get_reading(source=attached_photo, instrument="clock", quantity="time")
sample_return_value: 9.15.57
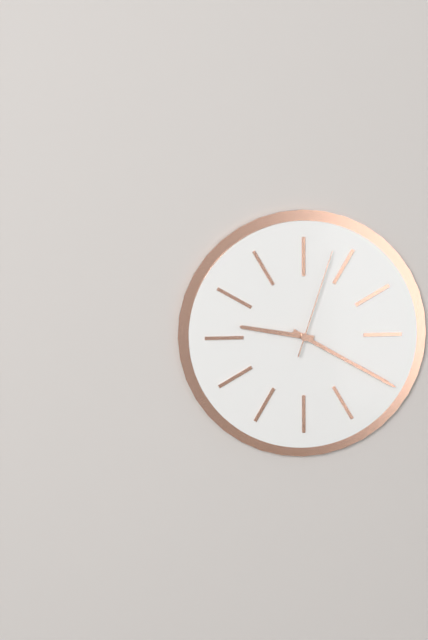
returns 9.20.03
